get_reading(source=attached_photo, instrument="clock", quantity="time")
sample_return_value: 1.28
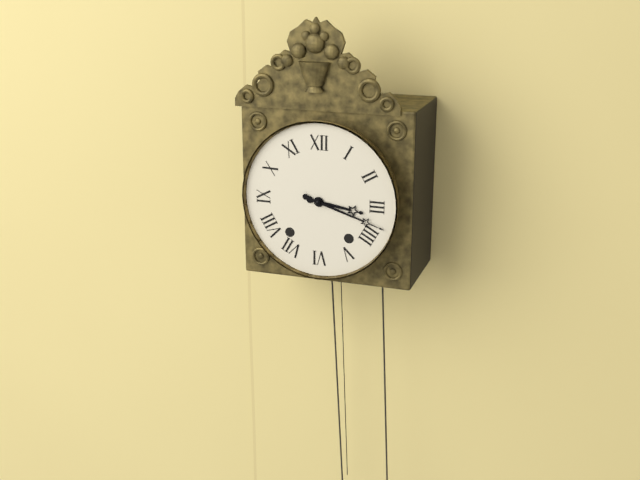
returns 3.18
